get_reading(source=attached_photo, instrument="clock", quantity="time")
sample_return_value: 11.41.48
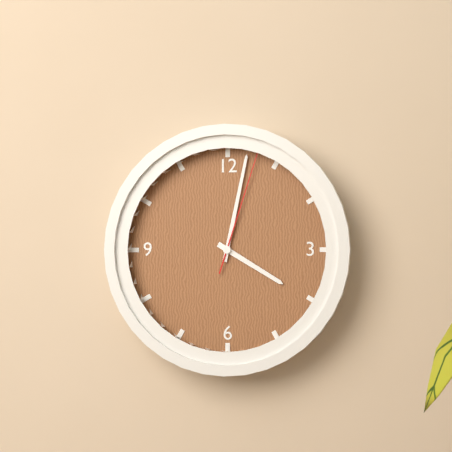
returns 4.02.03
